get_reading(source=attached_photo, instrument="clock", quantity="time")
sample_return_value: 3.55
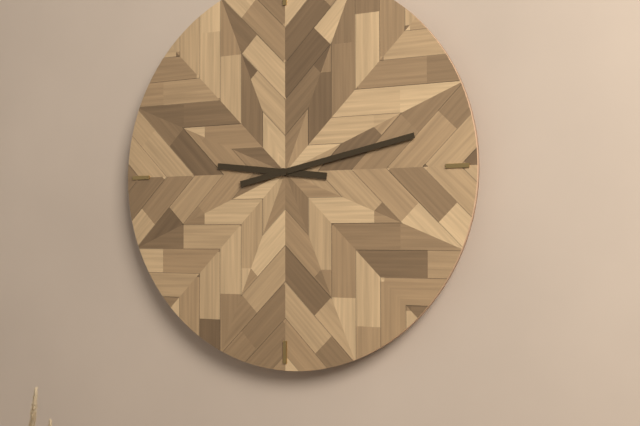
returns 9.13
